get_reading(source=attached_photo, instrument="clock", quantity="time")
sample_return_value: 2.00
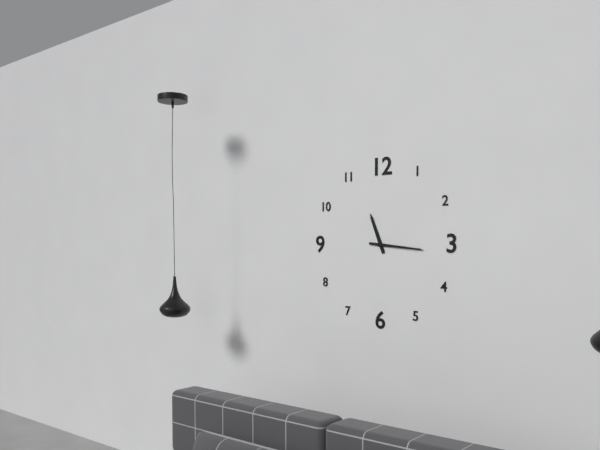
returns 11.16
